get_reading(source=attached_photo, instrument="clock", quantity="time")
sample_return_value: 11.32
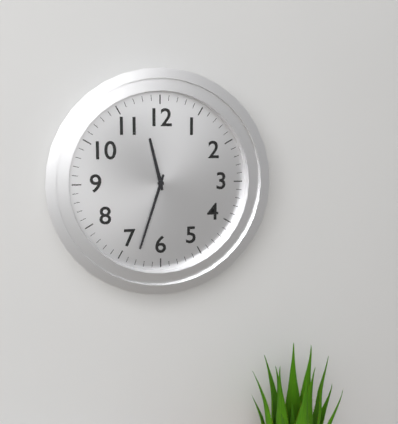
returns 11.33
